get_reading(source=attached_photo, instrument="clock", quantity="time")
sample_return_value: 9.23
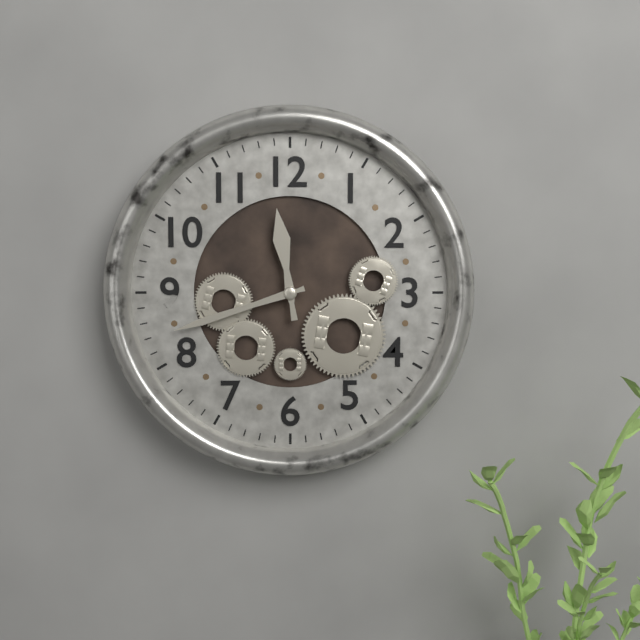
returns 11.42
